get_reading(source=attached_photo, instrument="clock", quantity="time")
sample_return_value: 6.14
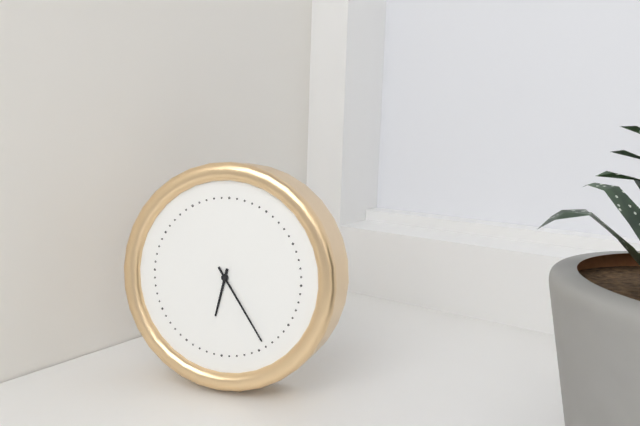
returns 6.24
